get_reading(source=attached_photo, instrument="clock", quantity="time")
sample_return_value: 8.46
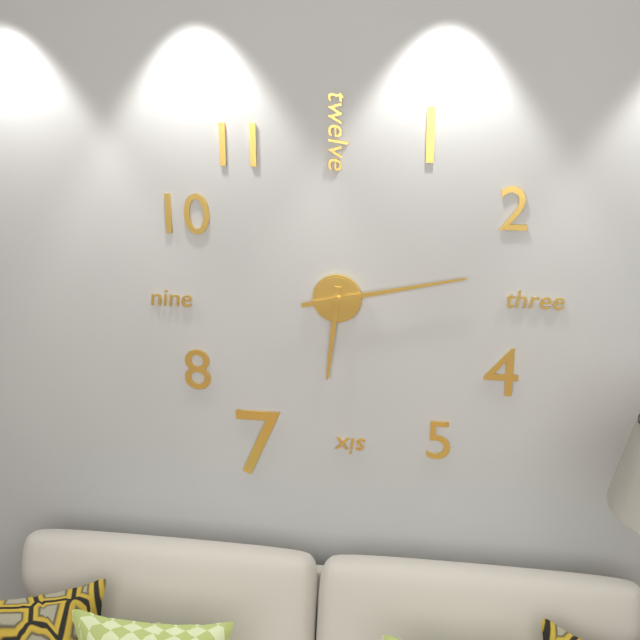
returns 6.13
